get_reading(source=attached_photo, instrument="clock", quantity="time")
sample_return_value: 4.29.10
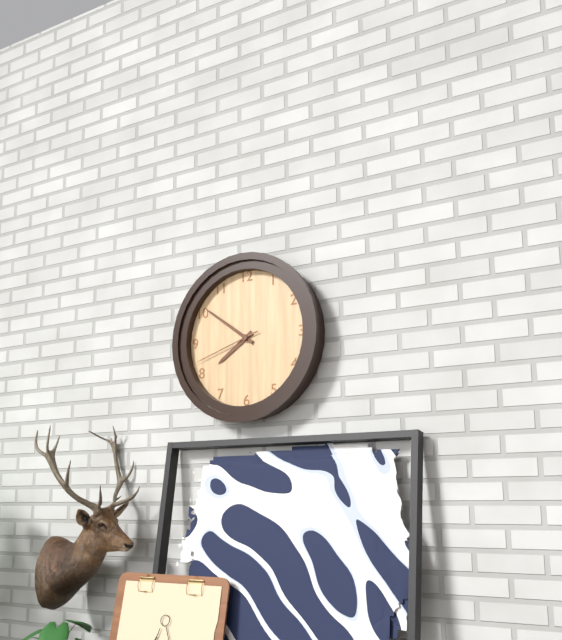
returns 7.51.42
